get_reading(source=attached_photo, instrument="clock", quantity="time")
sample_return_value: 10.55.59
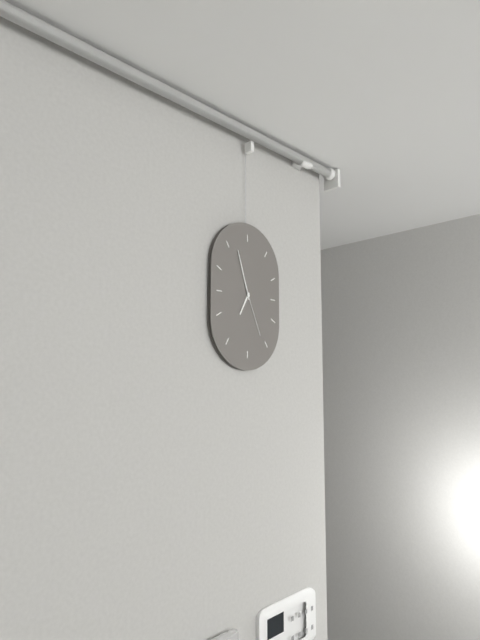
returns 6.57.26
